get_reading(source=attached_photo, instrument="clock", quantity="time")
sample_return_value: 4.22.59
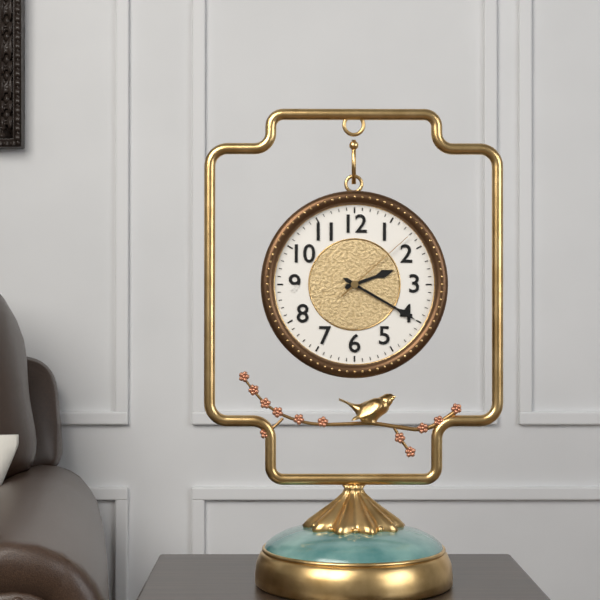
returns 2.20.08
